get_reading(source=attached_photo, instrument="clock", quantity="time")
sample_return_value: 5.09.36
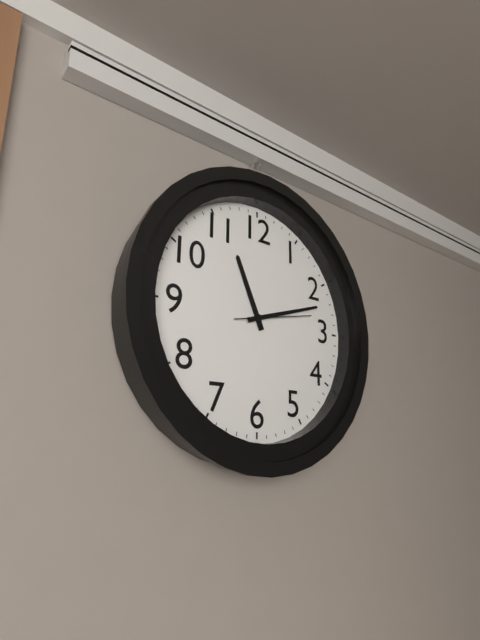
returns 11.12.13
